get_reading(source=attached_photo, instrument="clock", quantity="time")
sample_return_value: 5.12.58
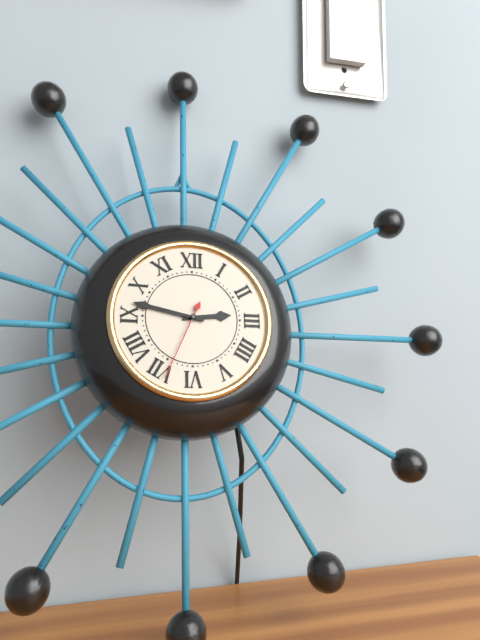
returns 2.47.34
